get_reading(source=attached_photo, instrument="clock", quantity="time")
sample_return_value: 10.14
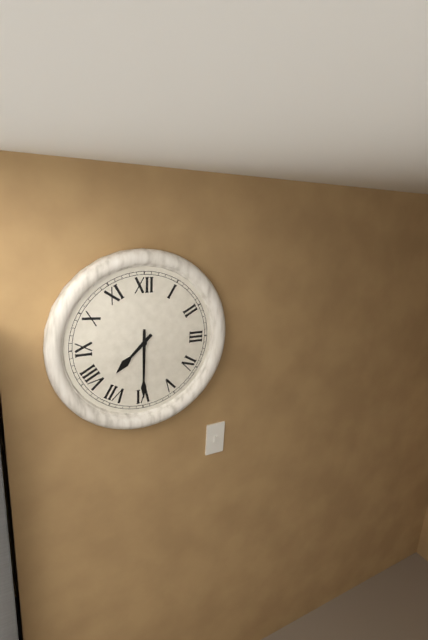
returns 7.30
